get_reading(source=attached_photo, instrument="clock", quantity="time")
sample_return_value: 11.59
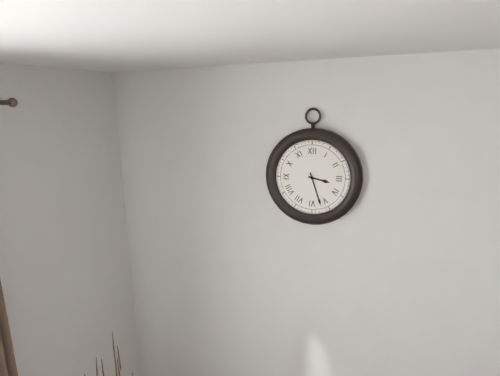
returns 3.27
